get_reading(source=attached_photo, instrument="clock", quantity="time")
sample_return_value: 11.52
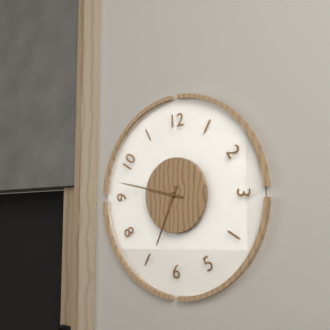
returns 6.47
